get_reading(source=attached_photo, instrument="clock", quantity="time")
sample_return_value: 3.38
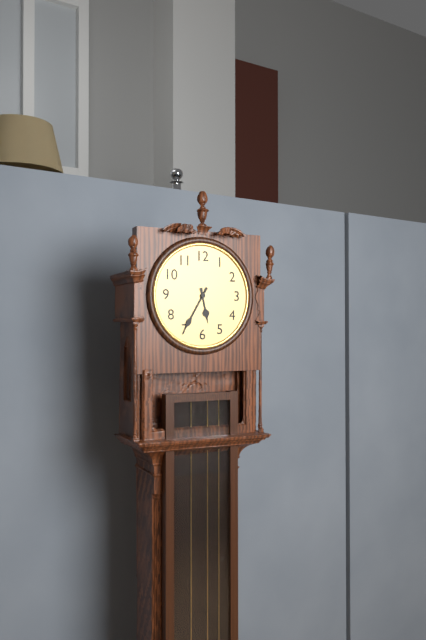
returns 5.35
